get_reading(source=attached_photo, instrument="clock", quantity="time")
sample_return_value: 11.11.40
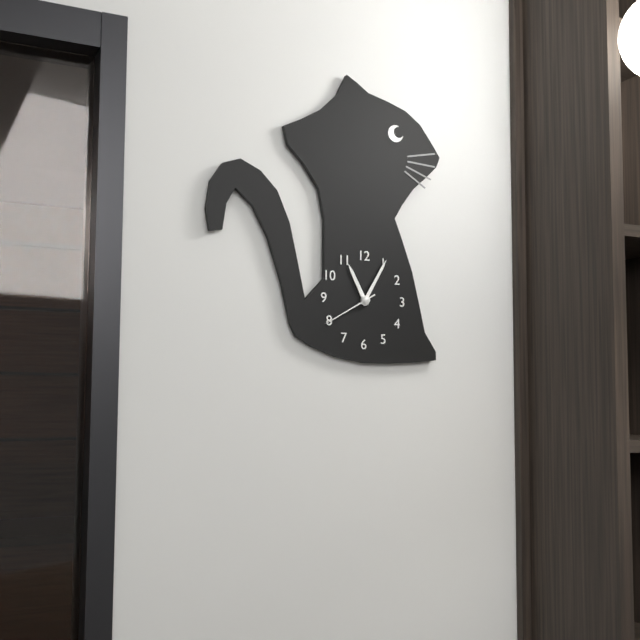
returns 11.05.40
